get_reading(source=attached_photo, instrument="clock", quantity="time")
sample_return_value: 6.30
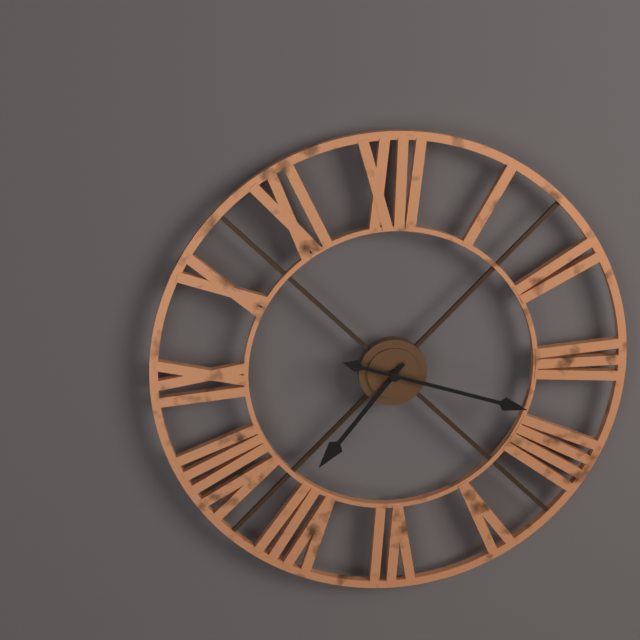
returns 7.18
